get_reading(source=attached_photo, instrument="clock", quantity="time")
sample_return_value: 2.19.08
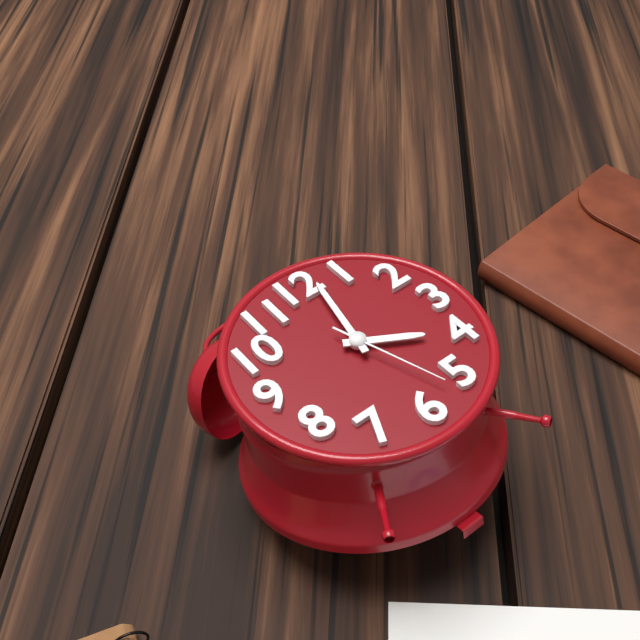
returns 4.02.27
